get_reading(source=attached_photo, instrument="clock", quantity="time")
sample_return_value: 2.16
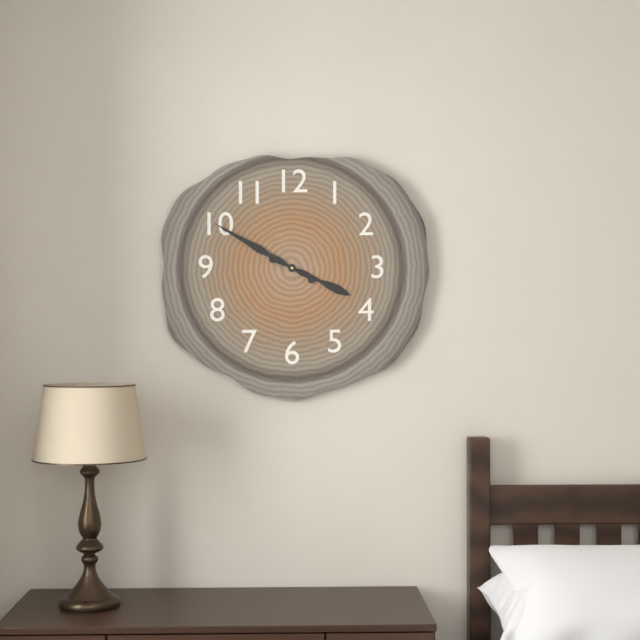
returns 3.50
